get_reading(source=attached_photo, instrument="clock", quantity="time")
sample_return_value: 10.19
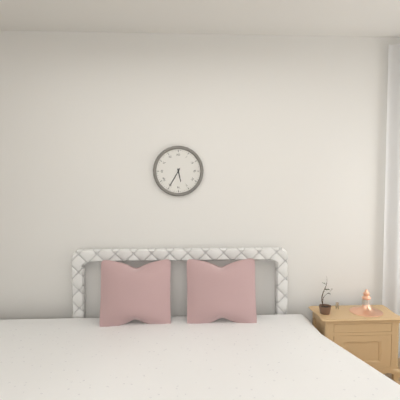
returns 5.35
